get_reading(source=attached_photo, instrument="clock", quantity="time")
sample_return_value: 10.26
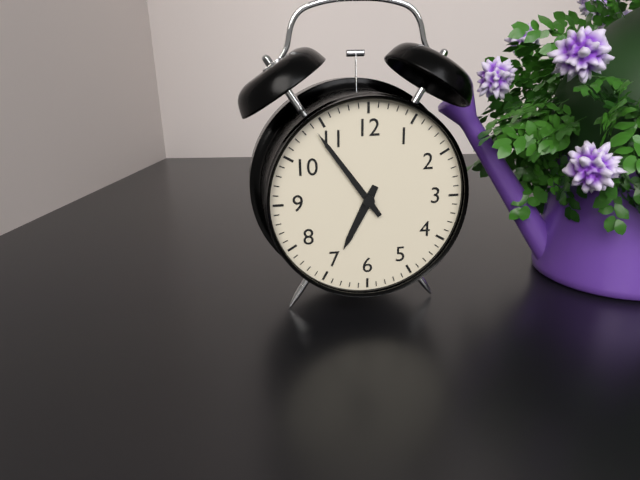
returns 6.54
